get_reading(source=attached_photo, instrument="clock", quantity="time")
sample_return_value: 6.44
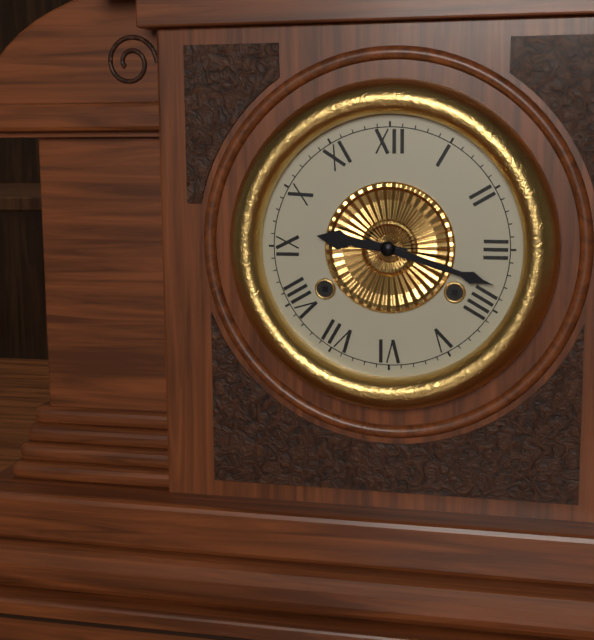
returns 9.18
